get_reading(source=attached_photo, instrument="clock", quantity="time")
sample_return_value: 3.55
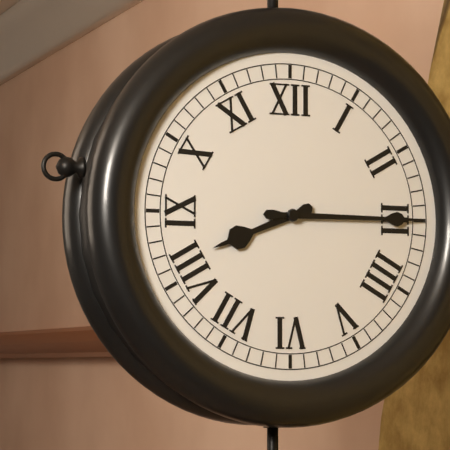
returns 8.15
